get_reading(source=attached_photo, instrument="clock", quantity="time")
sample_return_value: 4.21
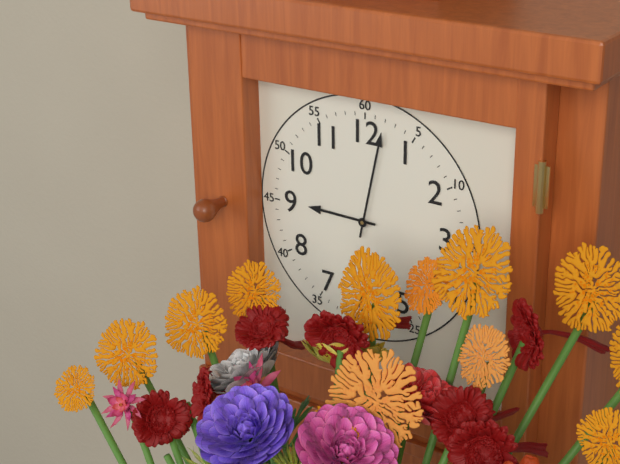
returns 9.02
